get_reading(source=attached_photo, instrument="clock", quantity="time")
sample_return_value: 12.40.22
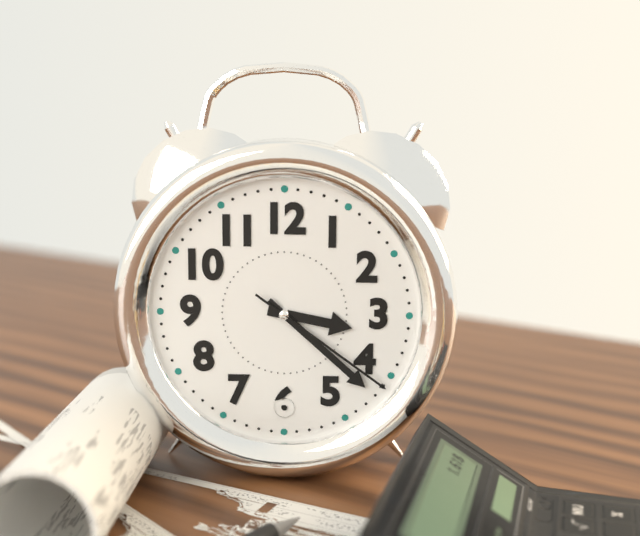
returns 3.22.21
